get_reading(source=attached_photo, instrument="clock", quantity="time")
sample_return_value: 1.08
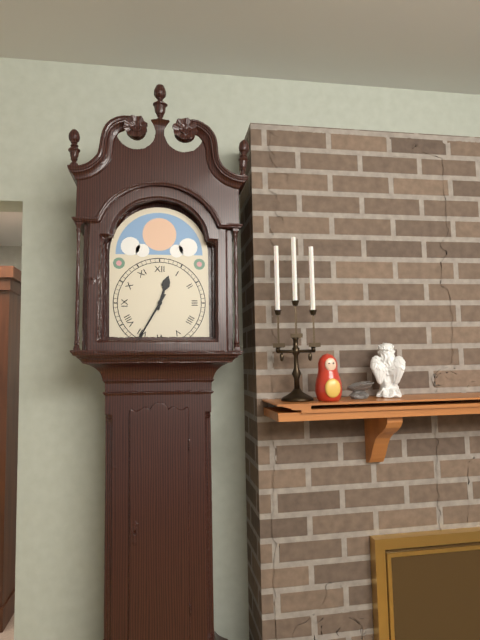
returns 12.35
